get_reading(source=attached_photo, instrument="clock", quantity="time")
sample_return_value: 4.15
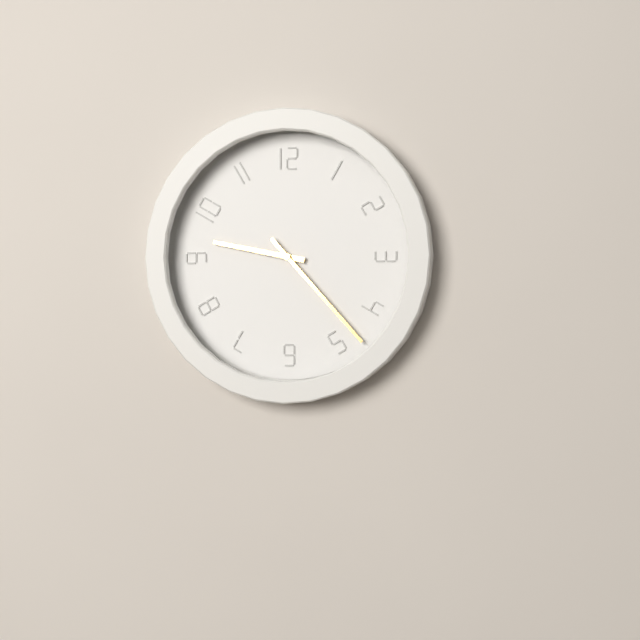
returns 9.23
